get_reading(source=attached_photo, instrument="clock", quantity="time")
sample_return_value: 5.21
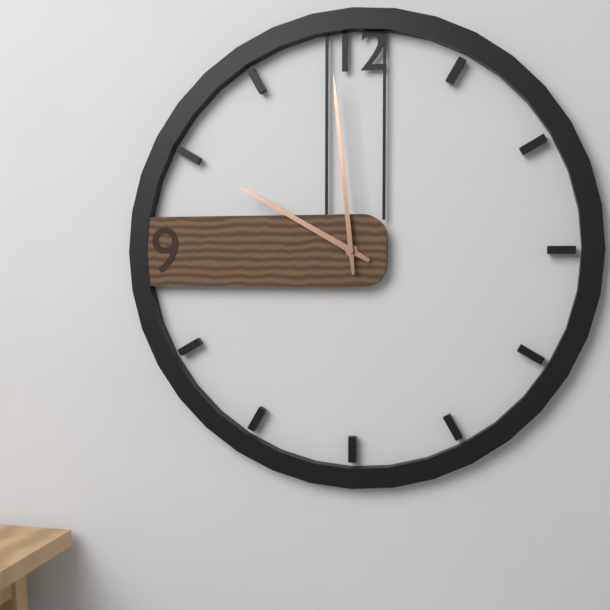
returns 9.59
